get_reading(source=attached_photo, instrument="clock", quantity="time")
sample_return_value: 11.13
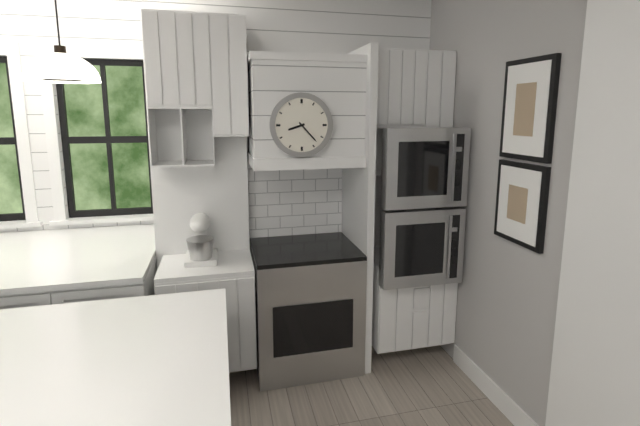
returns 8.23
